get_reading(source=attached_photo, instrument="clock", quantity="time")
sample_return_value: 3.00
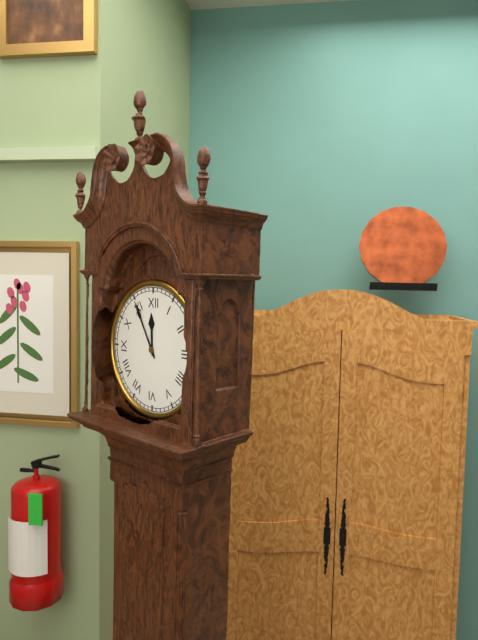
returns 11.55
